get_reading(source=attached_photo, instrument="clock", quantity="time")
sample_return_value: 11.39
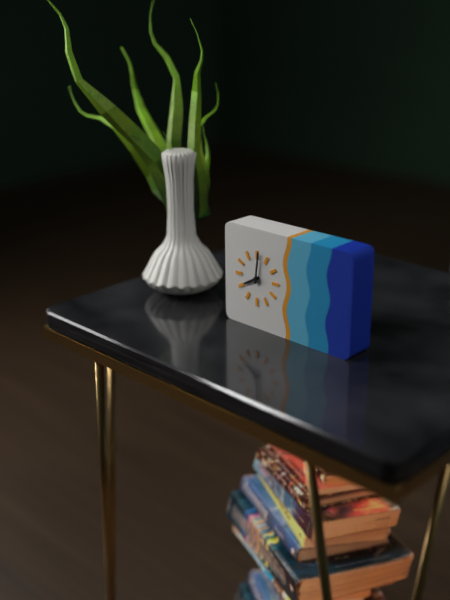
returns 8.01
